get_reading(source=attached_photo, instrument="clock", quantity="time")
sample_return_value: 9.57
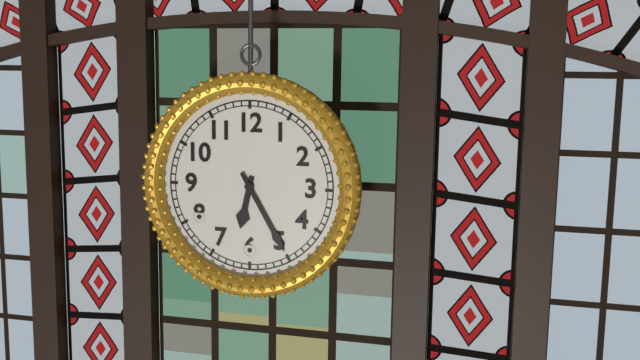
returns 6.25
